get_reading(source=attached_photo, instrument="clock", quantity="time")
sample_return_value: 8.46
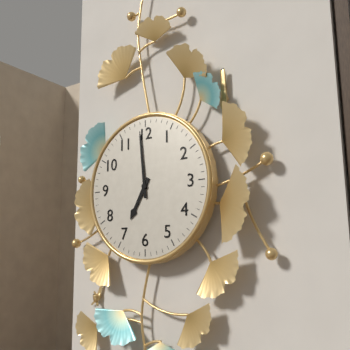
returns 6.59
